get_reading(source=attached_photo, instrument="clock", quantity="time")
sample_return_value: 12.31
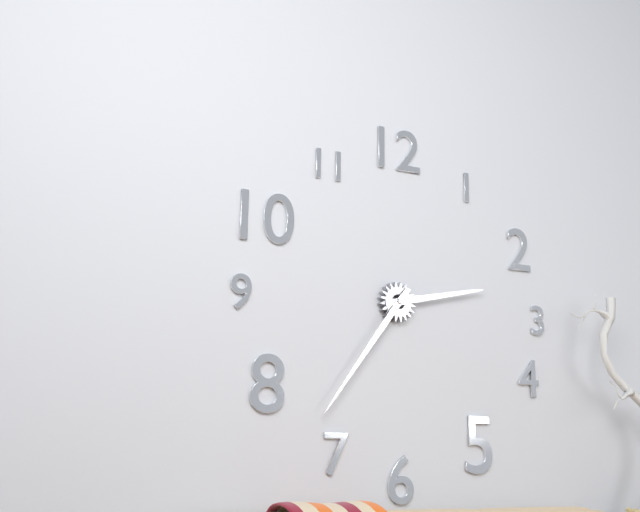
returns 2.36
